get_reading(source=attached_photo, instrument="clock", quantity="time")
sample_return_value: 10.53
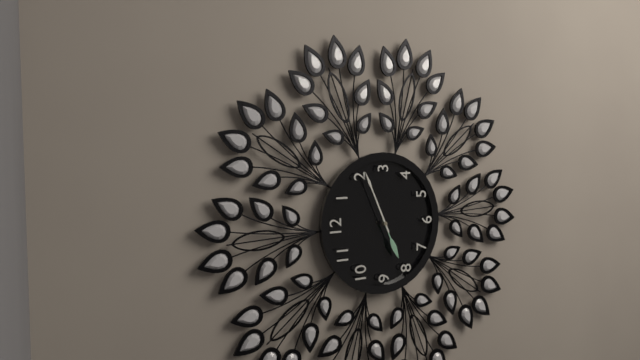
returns 8.11
